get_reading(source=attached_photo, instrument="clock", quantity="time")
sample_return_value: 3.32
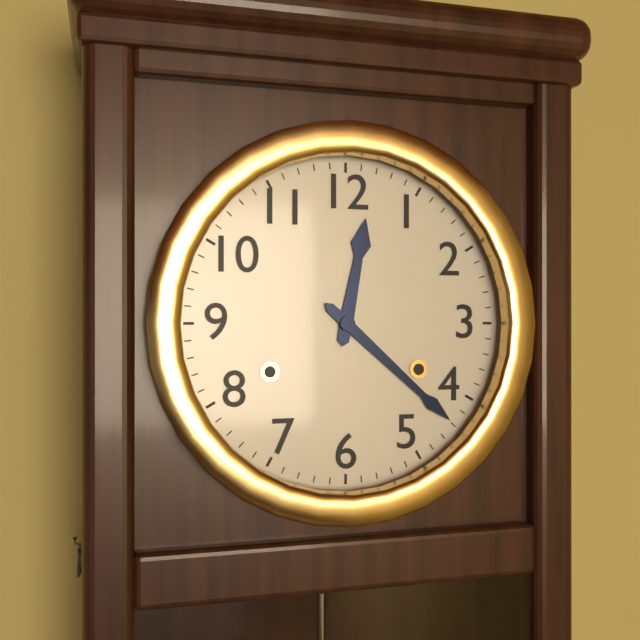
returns 12.22
